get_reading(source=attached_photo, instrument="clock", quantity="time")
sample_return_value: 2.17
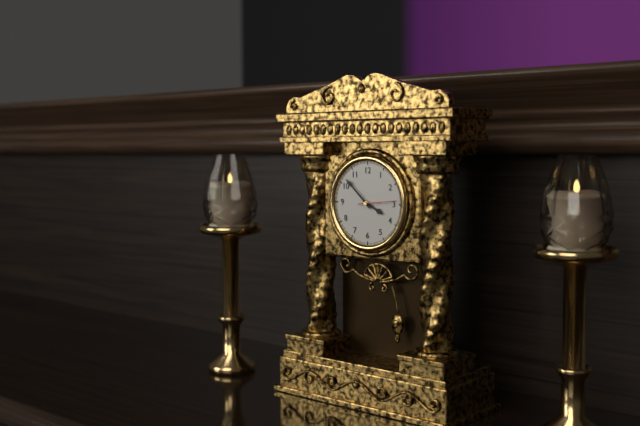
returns 3.52
